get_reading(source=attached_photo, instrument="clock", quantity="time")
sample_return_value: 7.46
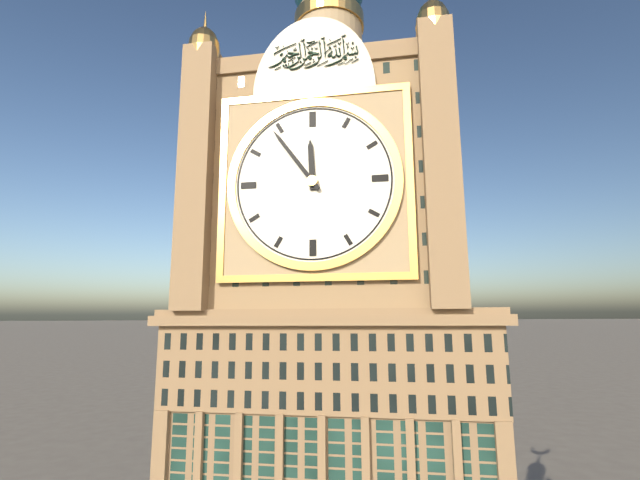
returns 11.54
